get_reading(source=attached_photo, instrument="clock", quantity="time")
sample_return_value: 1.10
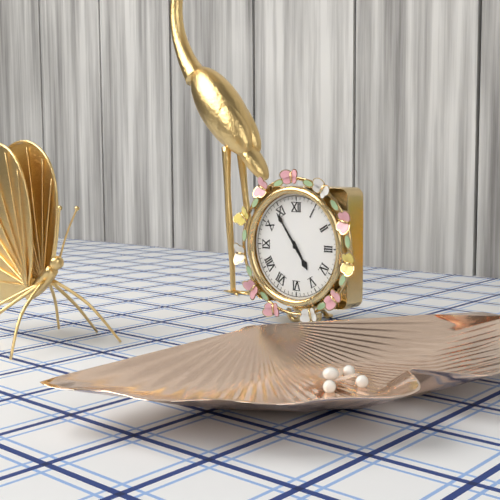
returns 4.54
